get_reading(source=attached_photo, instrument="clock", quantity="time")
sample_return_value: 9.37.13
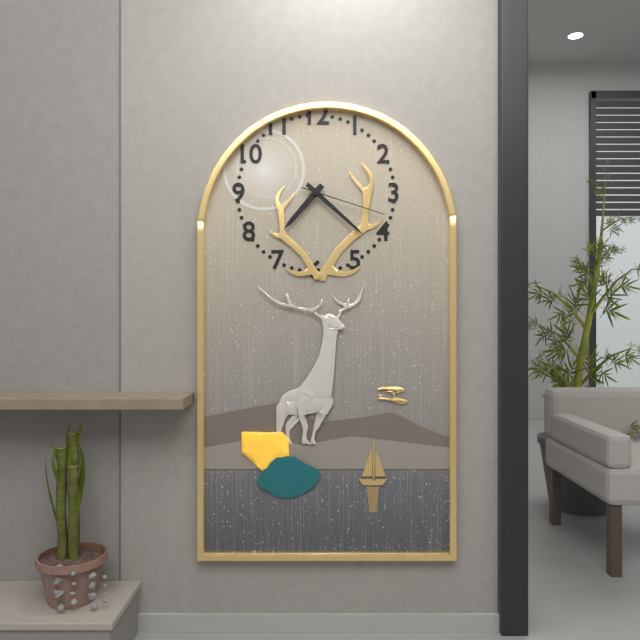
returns 7.22.18
